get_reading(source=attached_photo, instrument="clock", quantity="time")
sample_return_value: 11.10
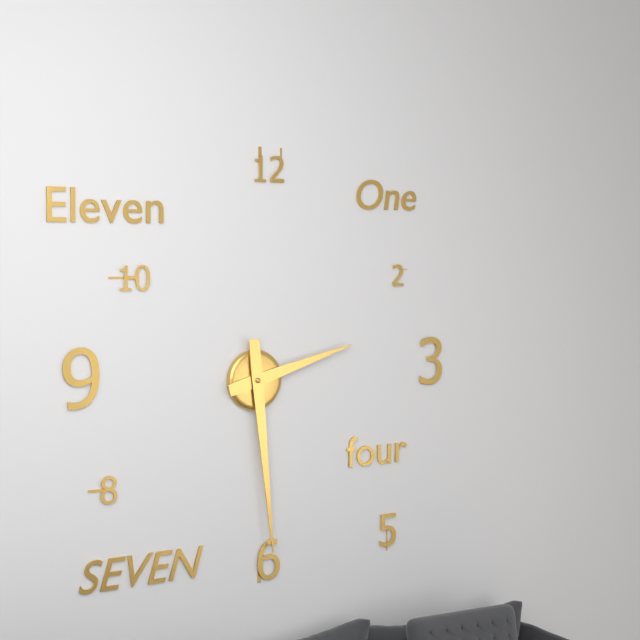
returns 2.29
